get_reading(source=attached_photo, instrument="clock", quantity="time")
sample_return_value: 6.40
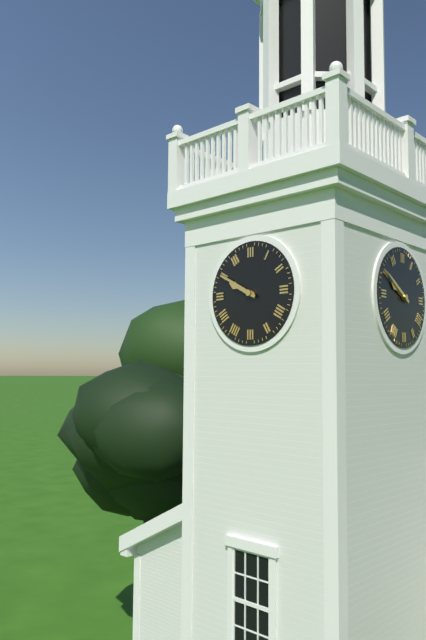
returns 9.50
